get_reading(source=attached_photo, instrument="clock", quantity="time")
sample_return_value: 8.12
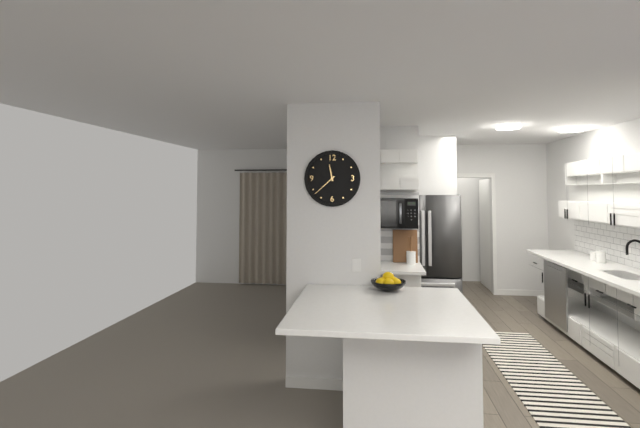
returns 11.38
